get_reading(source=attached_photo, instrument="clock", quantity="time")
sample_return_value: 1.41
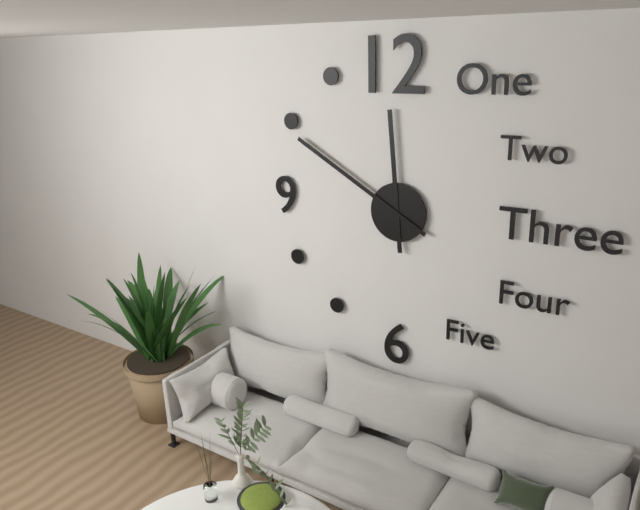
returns 11.50
